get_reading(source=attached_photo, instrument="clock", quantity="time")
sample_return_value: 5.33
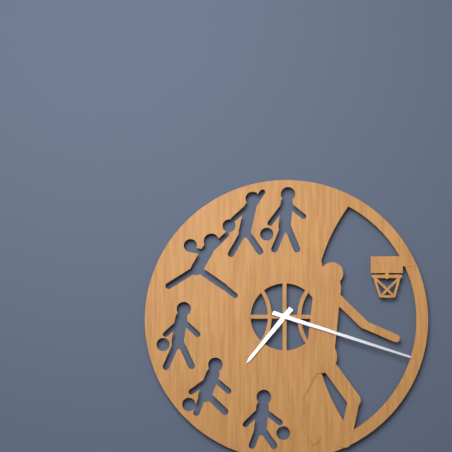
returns 7.18
